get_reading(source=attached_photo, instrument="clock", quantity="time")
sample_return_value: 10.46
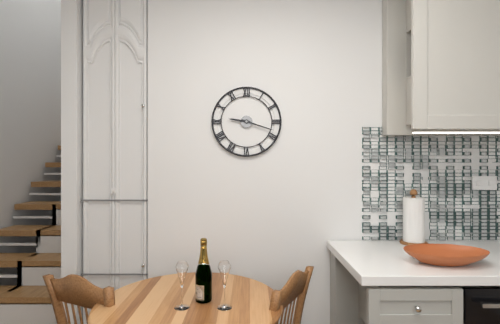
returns 9.18
